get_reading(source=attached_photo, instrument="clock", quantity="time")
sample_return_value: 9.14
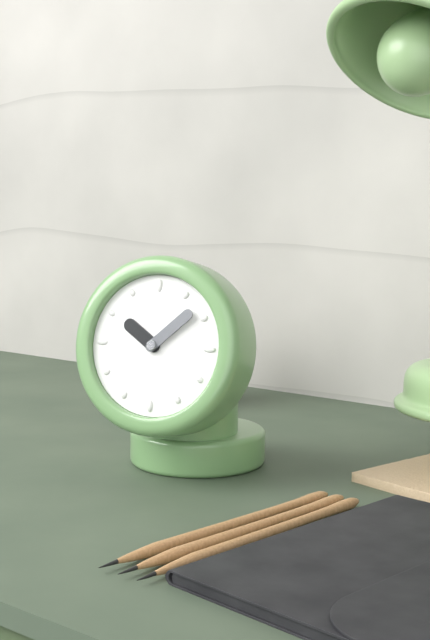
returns 10.08
